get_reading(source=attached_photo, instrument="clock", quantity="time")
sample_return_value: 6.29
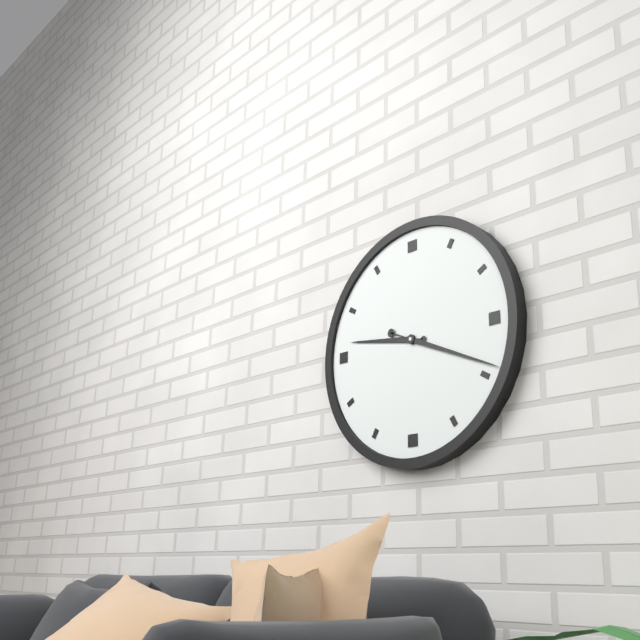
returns 9.19
